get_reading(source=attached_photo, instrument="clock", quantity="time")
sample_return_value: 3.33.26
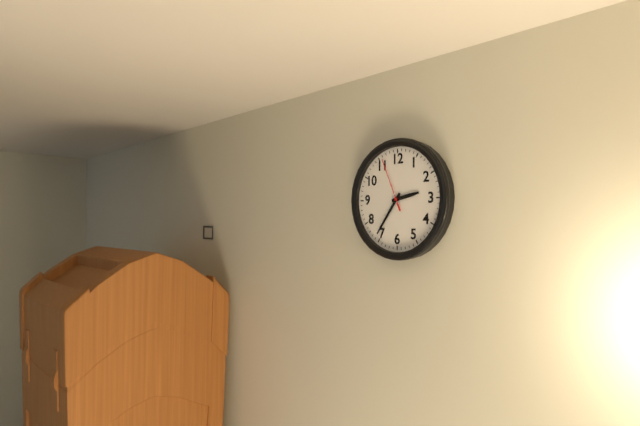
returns 2.36.56
